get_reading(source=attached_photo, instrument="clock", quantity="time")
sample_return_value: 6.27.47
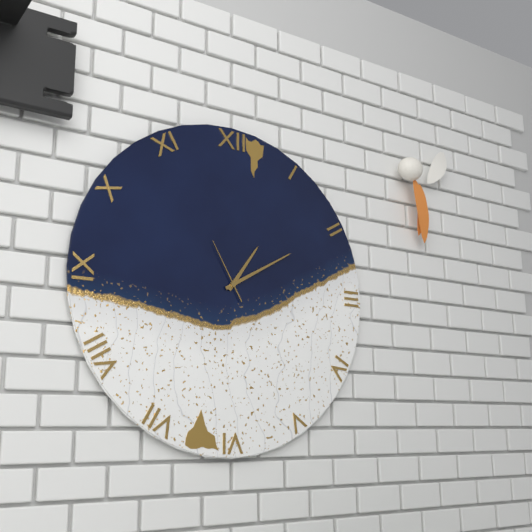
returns 1.10.55
